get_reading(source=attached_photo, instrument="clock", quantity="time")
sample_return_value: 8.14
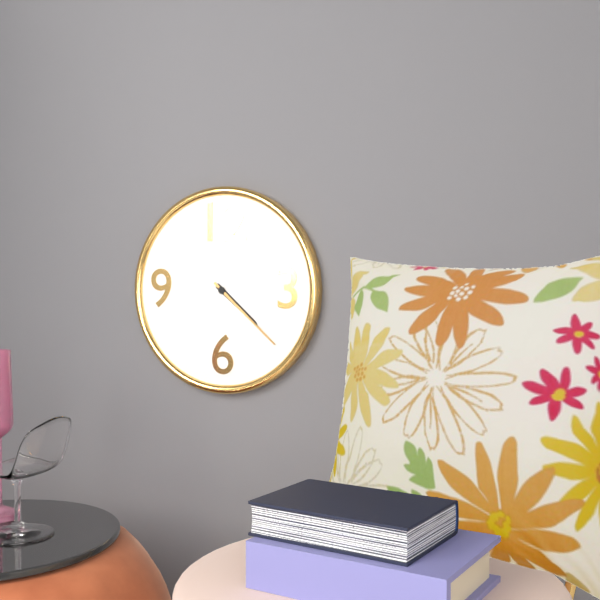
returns 4.22
